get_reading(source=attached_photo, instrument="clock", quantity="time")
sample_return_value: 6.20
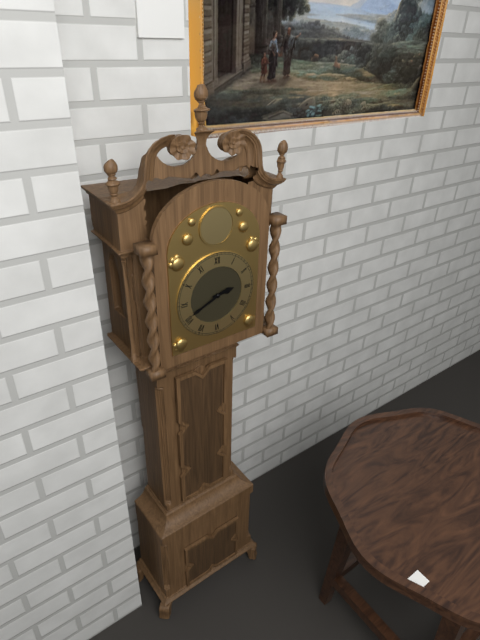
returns 2.41
